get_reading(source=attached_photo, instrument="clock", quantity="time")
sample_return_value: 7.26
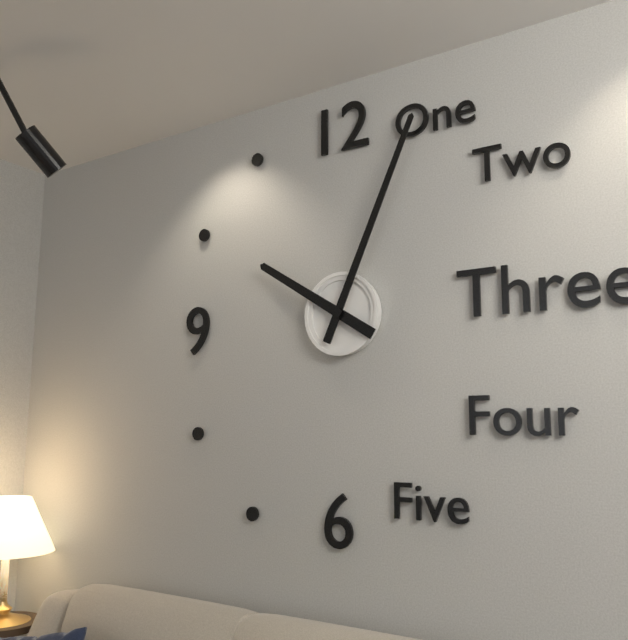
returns 10.04
